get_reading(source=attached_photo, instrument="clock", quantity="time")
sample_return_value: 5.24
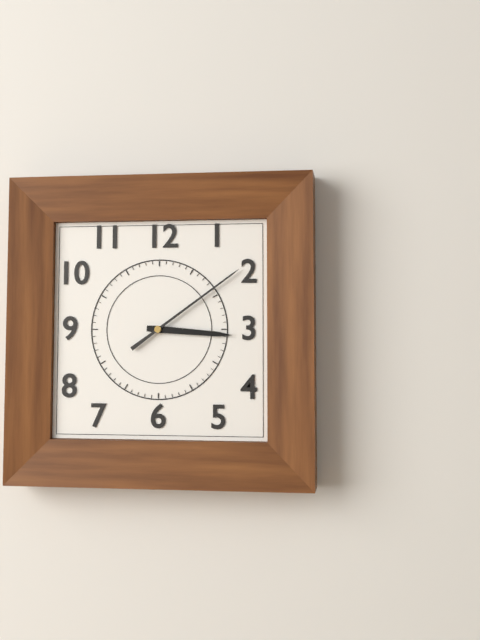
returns 3.09
